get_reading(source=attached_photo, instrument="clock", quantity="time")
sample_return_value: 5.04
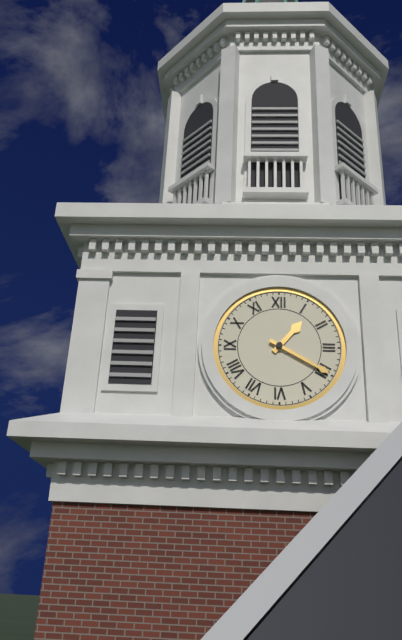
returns 1.20
